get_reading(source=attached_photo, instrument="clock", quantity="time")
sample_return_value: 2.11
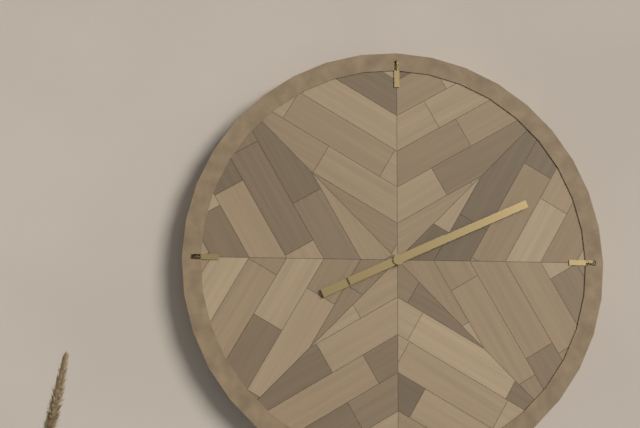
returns 8.11
